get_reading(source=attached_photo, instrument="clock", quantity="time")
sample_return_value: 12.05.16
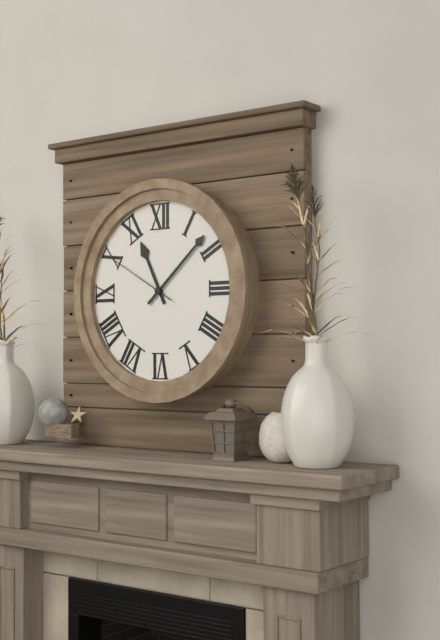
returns 11.08.50
